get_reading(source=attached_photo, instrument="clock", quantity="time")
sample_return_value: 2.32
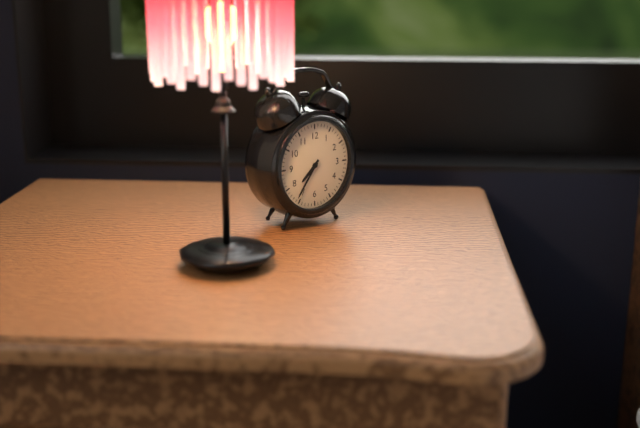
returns 7.36
